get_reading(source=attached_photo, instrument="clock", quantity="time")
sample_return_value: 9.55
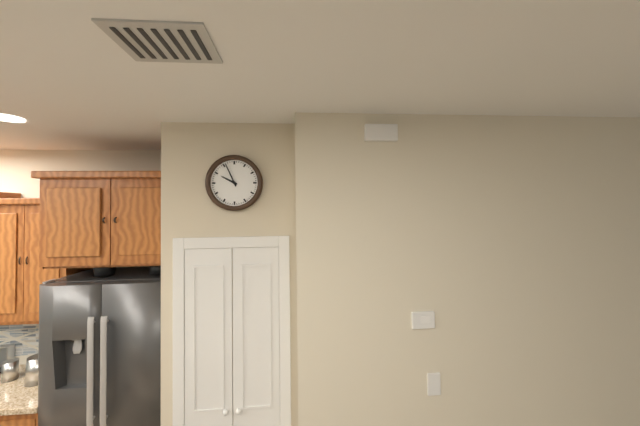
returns 9.56
